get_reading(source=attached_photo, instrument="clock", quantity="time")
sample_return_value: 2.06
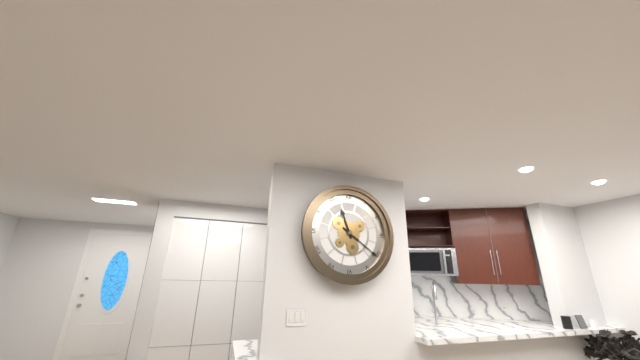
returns 11.21
